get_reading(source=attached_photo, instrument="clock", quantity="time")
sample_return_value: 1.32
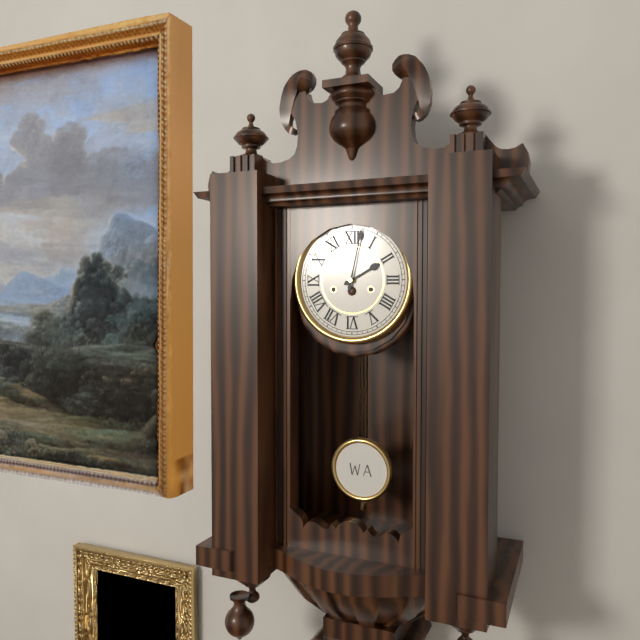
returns 2.02
